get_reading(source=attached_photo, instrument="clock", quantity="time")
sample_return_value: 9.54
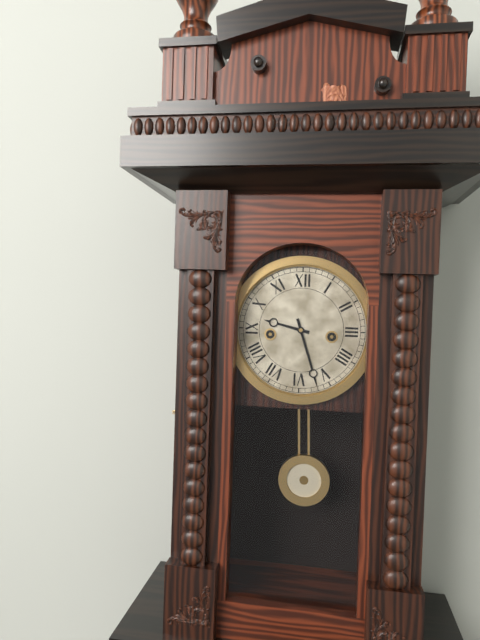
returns 9.27
